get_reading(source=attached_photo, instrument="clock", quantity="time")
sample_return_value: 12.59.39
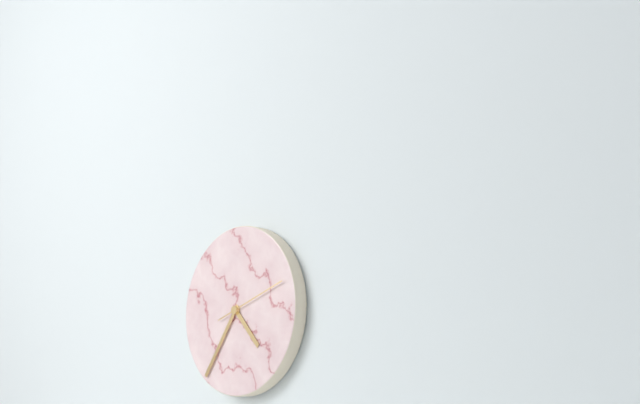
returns 4.36.12
